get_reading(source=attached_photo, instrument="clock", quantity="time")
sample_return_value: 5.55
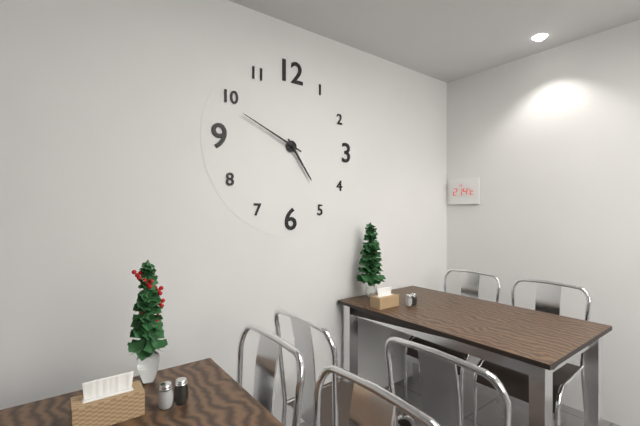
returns 4.49
